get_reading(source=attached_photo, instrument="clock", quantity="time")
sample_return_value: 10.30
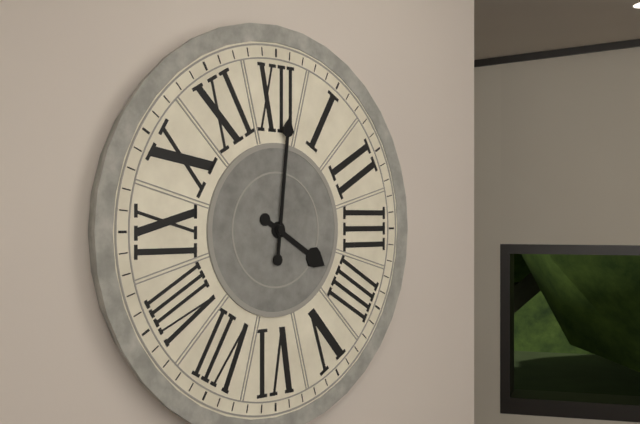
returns 4.01
